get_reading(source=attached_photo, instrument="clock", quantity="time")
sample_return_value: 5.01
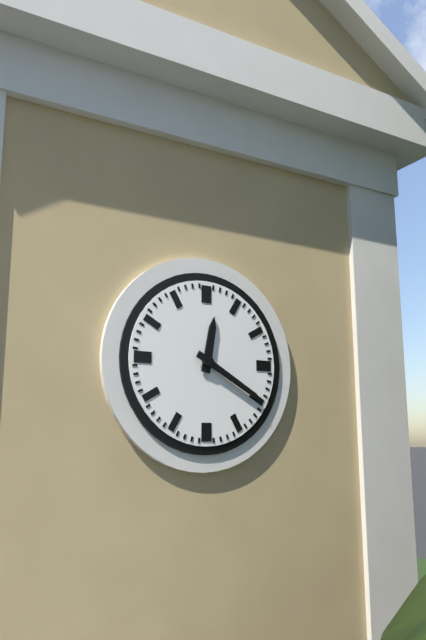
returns 12.20
